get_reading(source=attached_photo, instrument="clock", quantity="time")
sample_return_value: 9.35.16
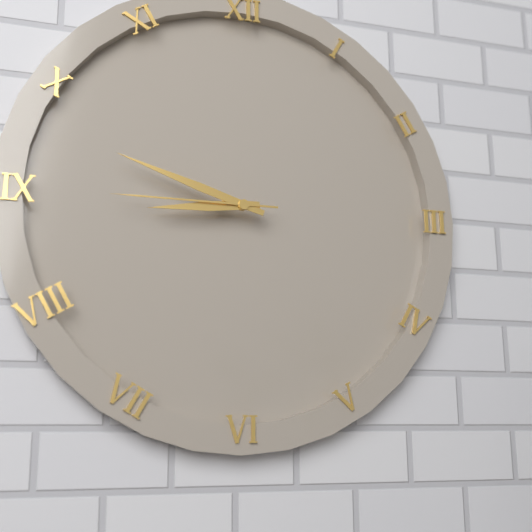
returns 8.48.45
